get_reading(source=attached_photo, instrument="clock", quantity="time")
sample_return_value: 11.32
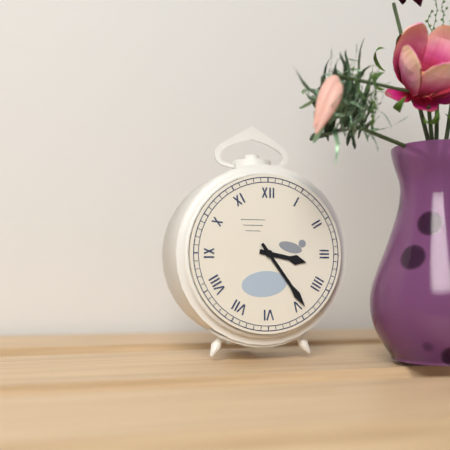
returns 3.24
